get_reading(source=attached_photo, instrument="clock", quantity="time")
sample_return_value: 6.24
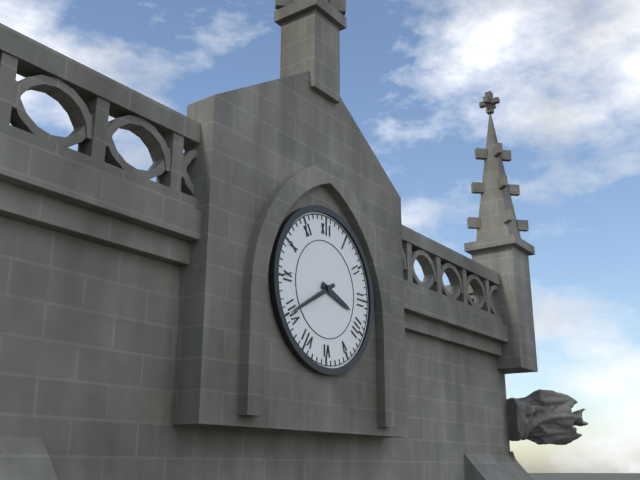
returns 3.40
